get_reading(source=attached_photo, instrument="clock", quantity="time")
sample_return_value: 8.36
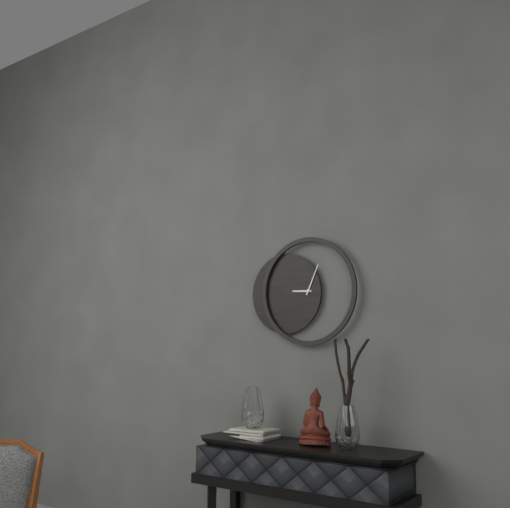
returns 9.04
